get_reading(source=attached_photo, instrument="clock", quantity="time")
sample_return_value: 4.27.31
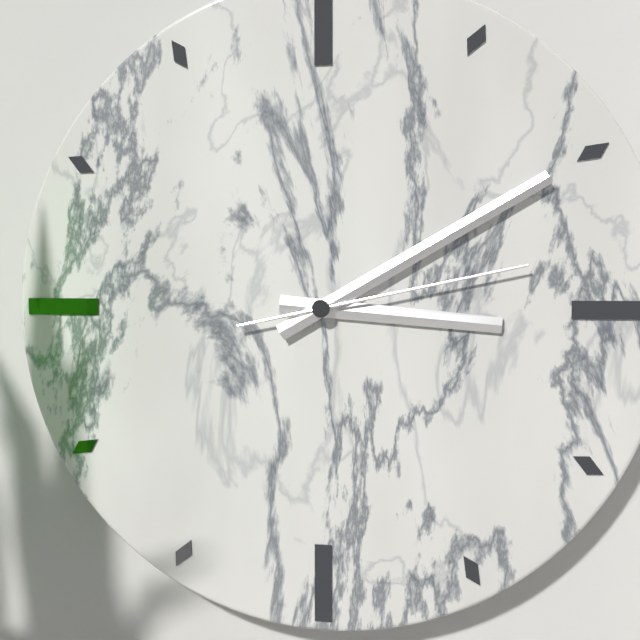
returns 3.10.13
